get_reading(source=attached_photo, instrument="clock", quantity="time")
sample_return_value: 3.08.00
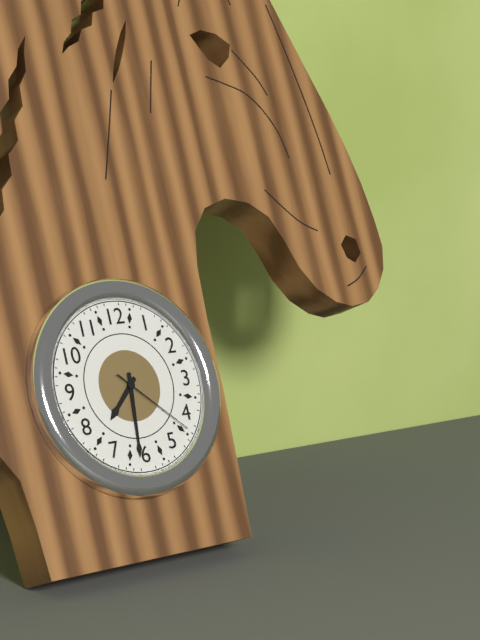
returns 7.31.22
